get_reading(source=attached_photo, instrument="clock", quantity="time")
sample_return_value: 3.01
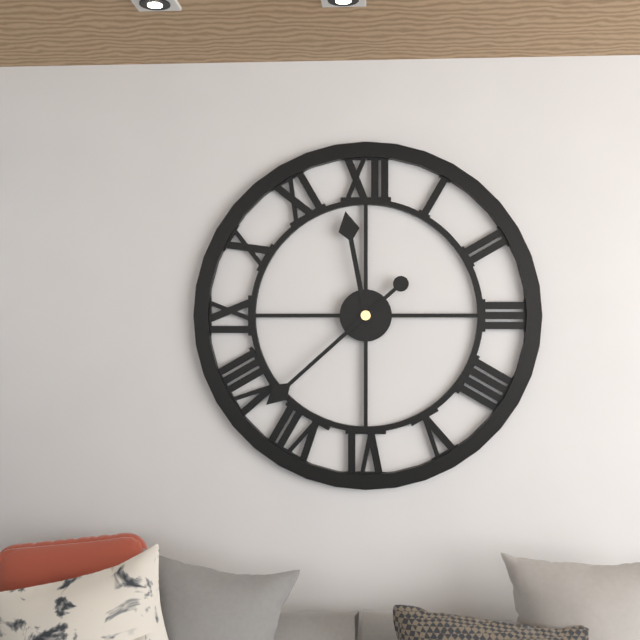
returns 11.38
